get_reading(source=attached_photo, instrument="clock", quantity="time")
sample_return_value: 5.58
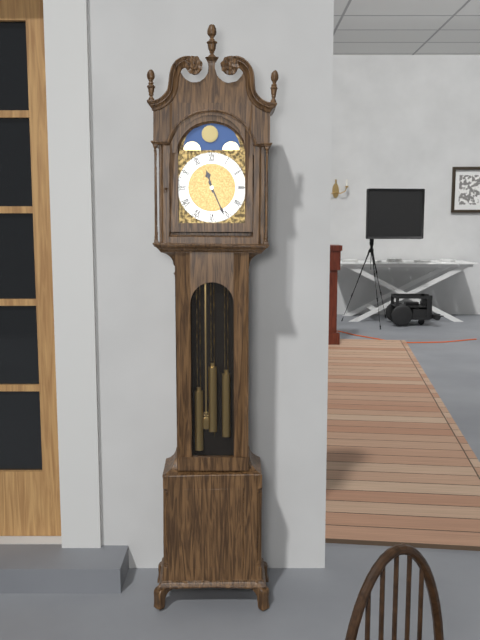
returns 11.26
